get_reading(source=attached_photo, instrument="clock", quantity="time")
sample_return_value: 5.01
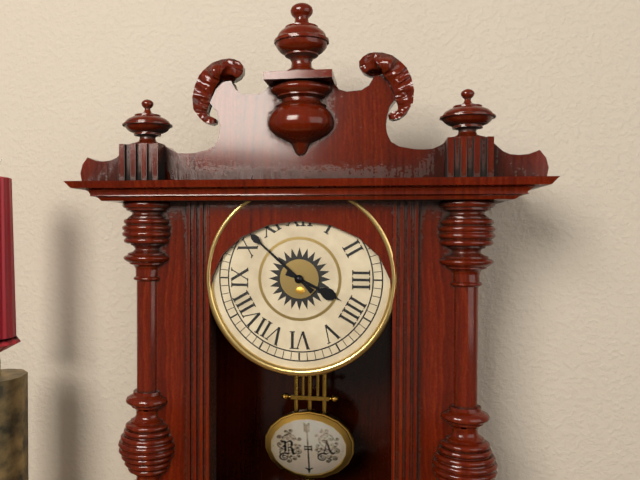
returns 3.52
